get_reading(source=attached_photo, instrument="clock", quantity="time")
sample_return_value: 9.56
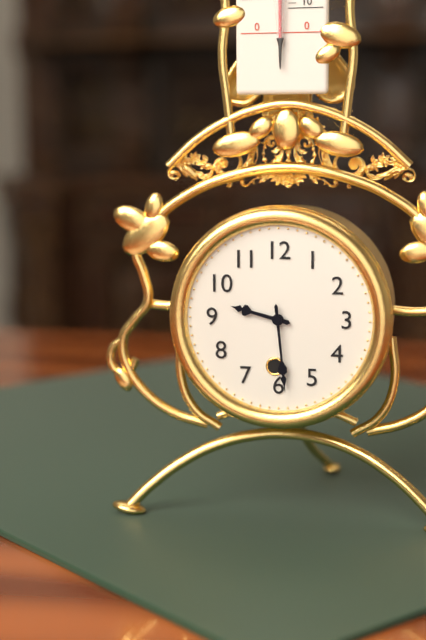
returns 9.29
